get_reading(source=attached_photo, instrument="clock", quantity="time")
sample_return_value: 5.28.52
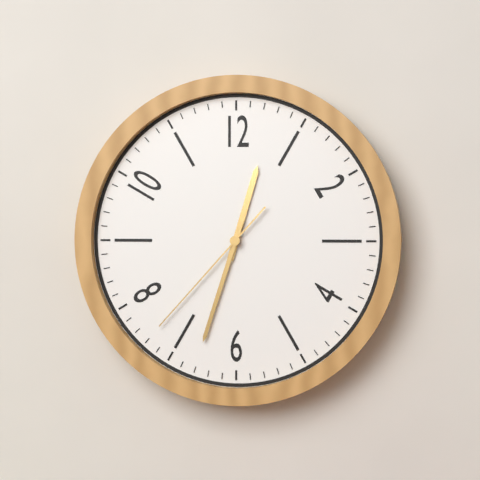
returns 12.33.37
